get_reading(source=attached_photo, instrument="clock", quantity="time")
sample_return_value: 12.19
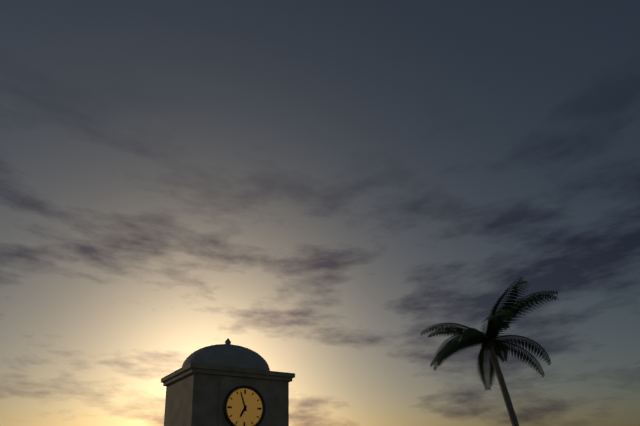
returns 6.57
